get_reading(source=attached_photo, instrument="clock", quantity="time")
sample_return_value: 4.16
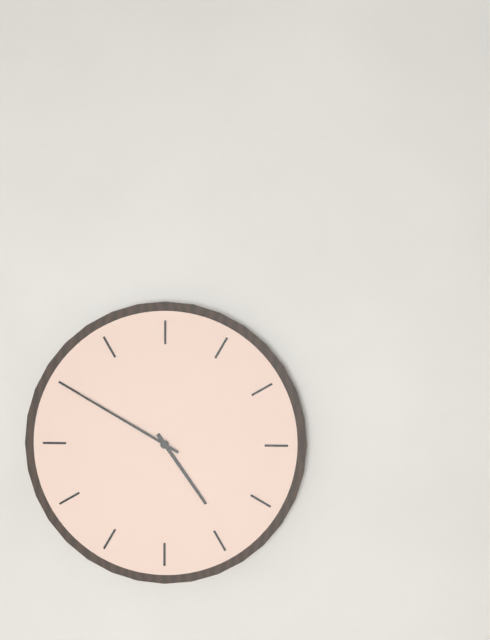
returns 4.50
